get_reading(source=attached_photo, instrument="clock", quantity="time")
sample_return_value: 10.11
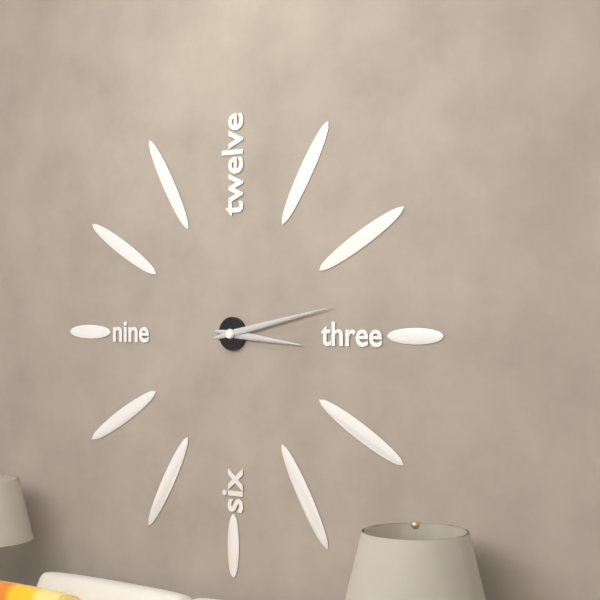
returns 3.13
